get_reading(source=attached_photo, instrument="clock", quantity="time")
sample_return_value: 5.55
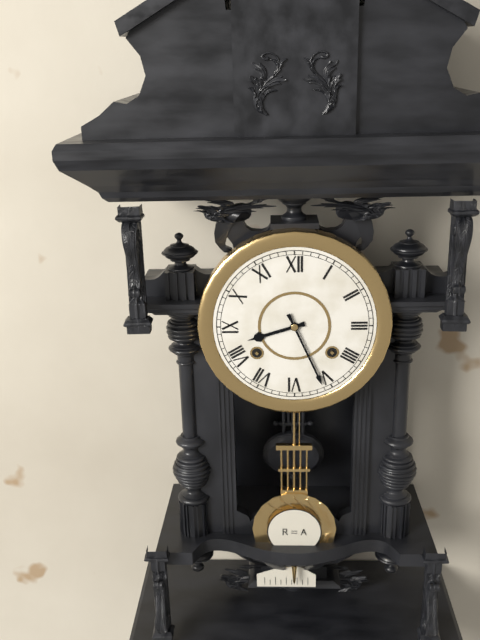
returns 8.26
